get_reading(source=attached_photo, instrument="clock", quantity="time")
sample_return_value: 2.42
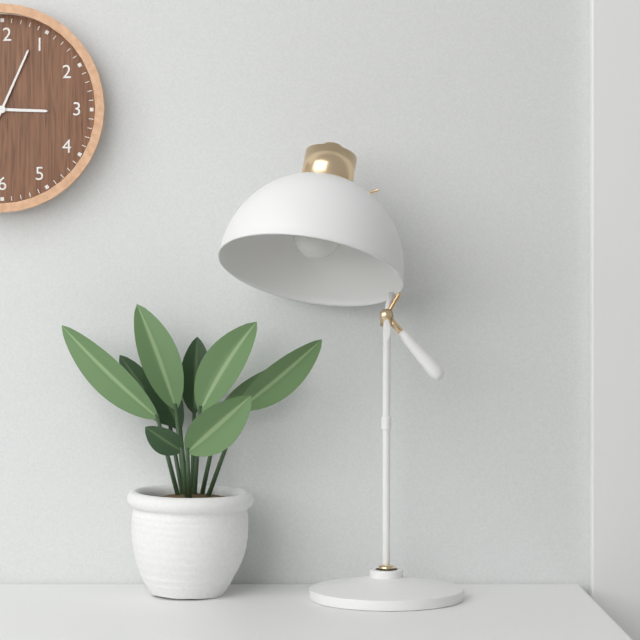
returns 3.04
